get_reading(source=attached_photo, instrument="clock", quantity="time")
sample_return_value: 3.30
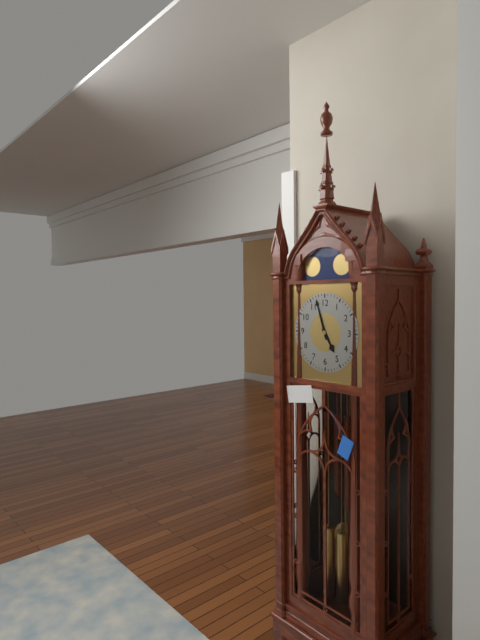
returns 4.57
